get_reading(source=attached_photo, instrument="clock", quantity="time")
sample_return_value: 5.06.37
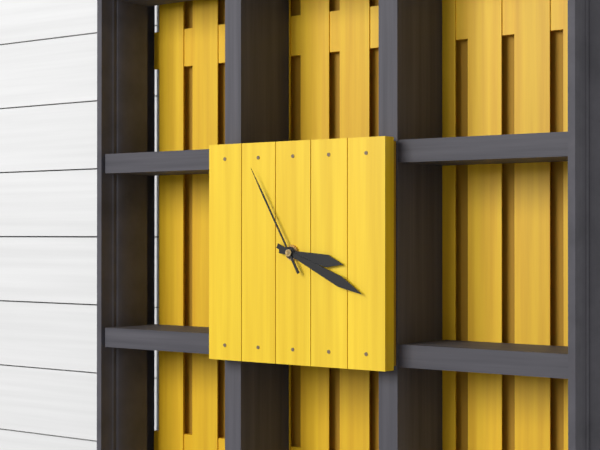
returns 3.19.55
